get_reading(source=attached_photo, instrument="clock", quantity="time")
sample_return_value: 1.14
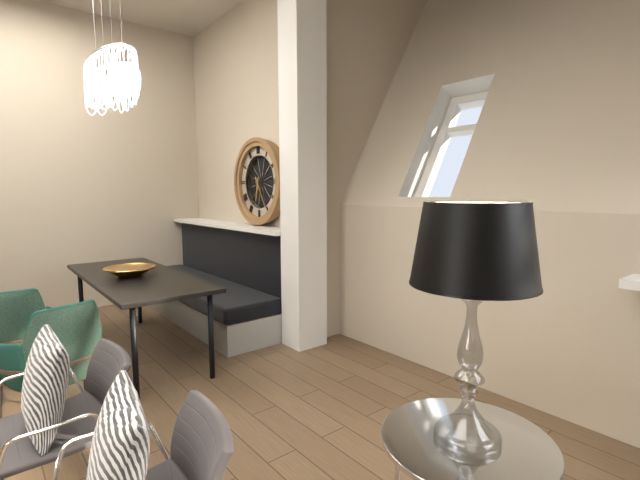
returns 6.25
